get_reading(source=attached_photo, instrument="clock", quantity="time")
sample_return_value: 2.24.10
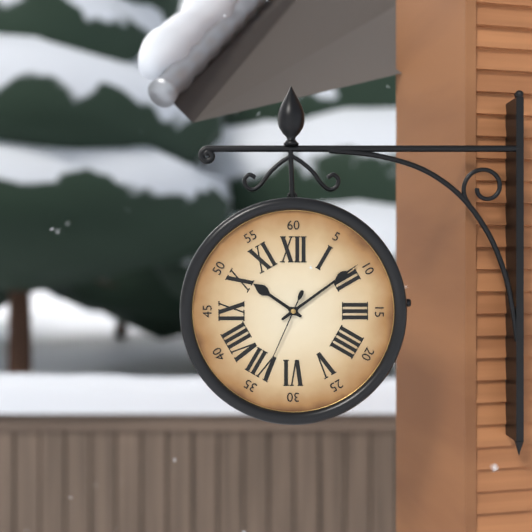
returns 10.09.34
